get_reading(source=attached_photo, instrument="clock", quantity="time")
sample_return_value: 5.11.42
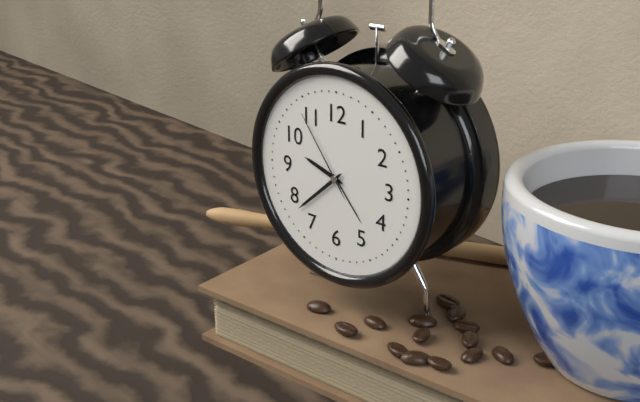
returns 9.38.54
